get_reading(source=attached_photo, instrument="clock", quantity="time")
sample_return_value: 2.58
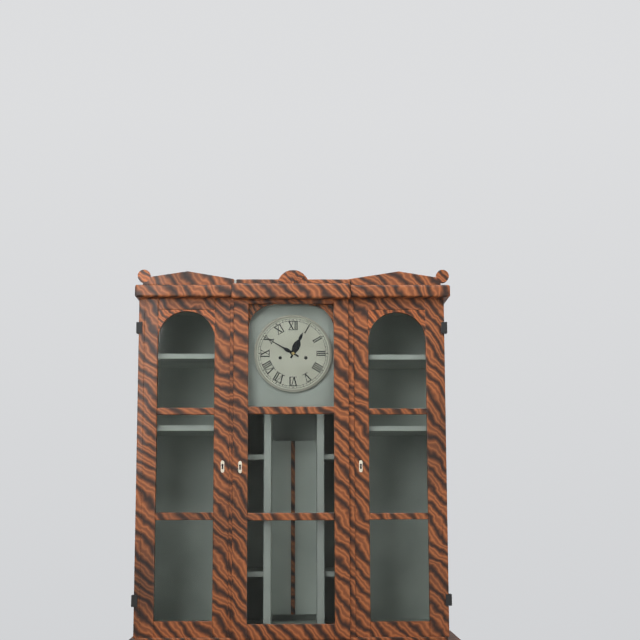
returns 12.50
